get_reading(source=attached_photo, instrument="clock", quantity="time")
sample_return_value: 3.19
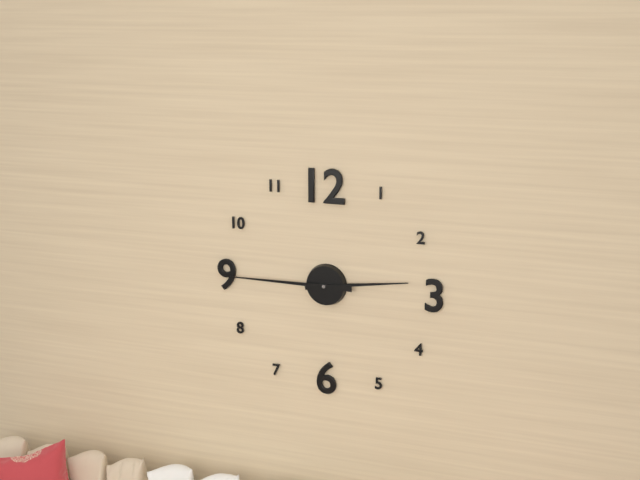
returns 2.45
